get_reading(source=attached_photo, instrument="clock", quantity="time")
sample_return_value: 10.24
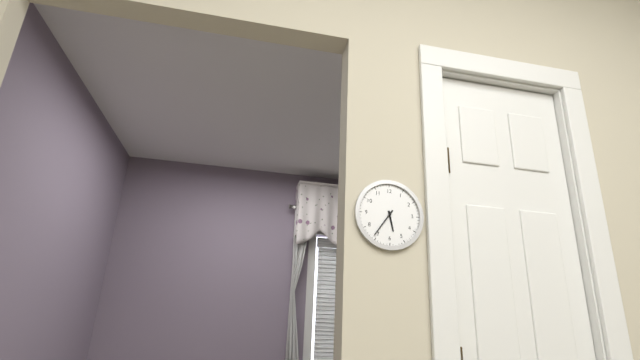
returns 5.36
